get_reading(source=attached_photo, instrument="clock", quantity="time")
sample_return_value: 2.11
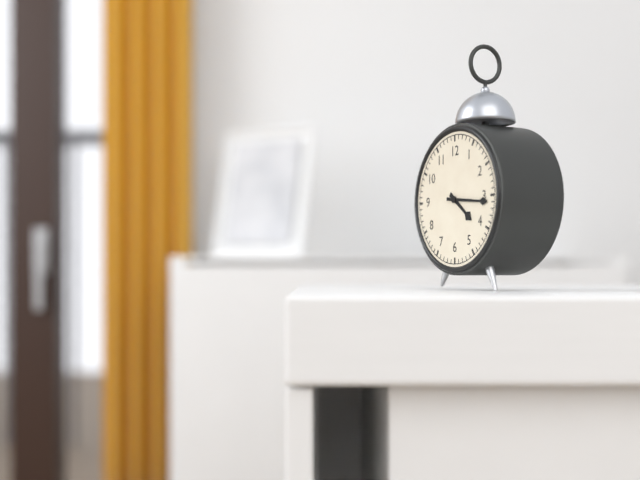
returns 4.16
